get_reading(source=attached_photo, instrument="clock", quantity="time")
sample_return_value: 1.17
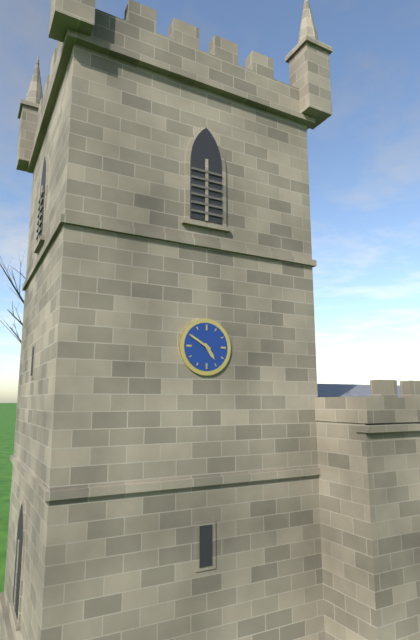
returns 4.50
